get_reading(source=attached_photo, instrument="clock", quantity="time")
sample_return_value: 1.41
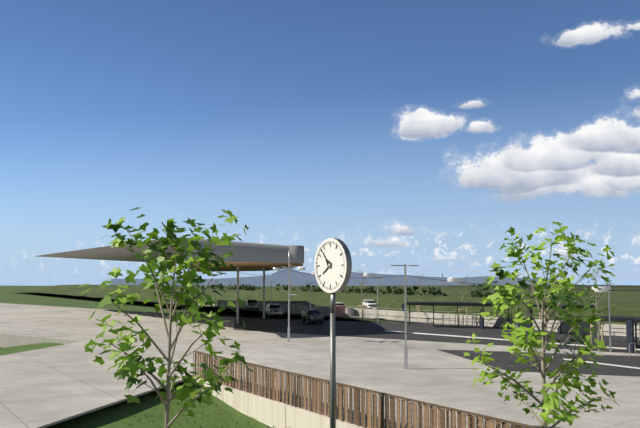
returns 7.53
